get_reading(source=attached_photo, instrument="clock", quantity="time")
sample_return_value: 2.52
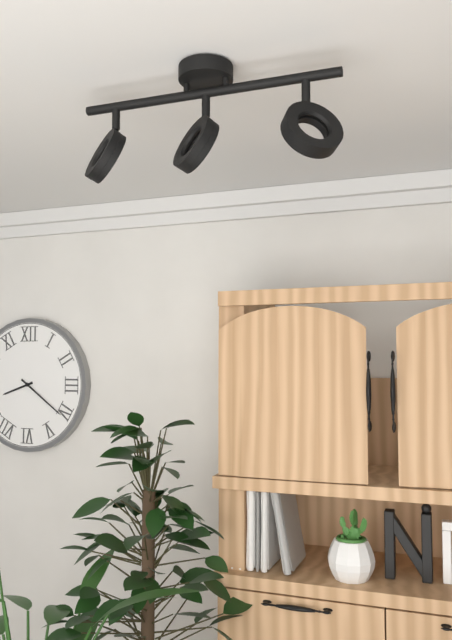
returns 8.21
